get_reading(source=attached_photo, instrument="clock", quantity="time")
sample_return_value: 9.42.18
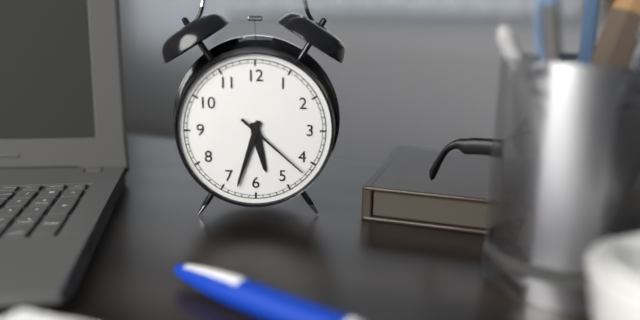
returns 5.33.22
